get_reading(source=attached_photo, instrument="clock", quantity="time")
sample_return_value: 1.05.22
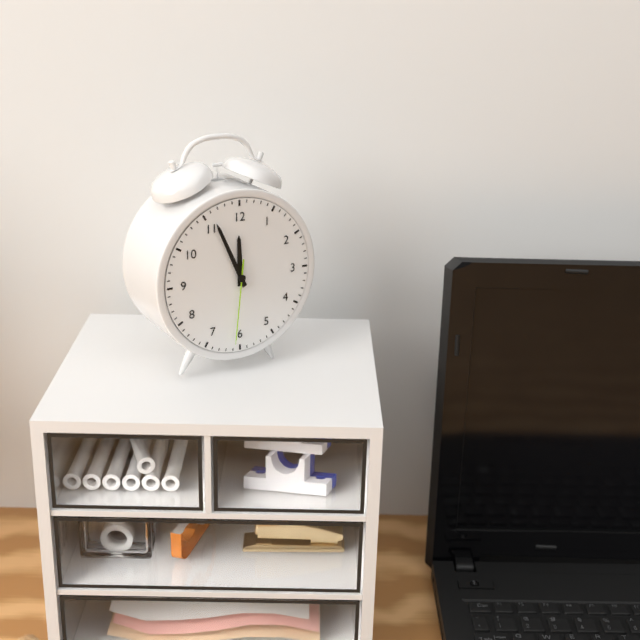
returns 11.56.31
